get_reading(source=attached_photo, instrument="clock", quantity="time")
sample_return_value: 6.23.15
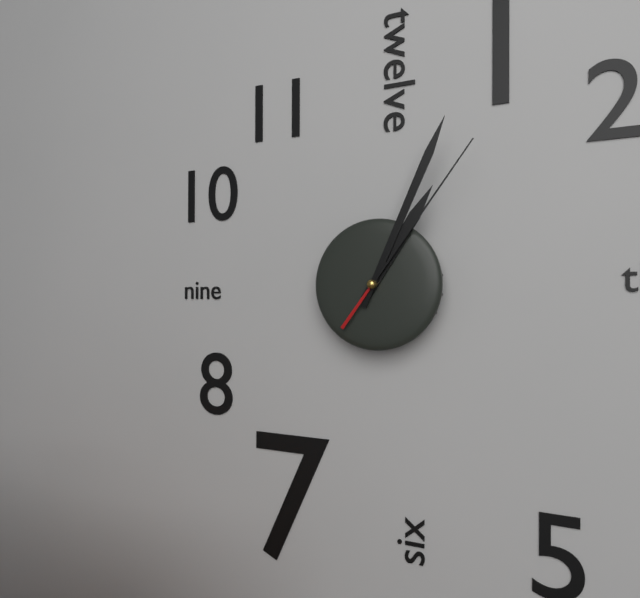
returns 1.04.06
